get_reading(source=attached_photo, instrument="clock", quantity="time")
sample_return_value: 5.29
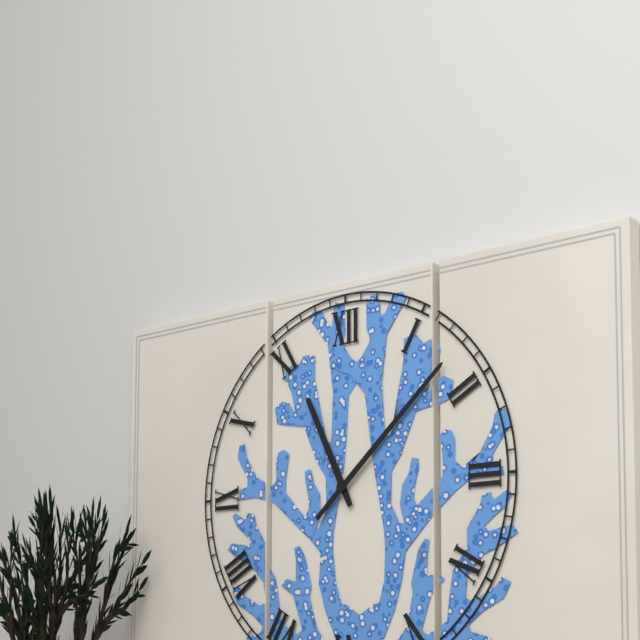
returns 11.08
